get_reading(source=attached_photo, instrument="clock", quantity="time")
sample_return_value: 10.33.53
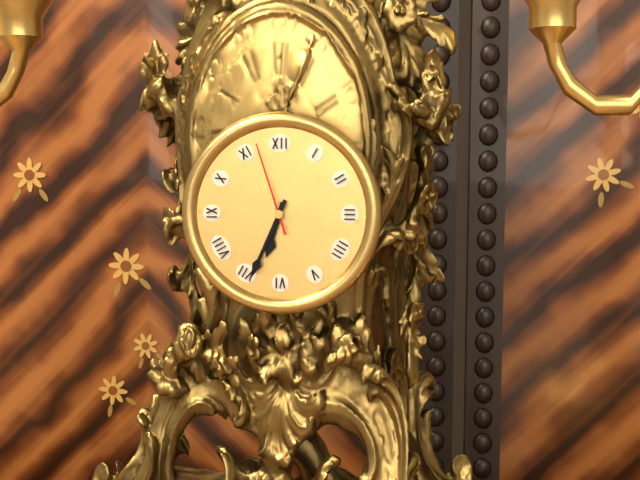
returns 6.34.57
